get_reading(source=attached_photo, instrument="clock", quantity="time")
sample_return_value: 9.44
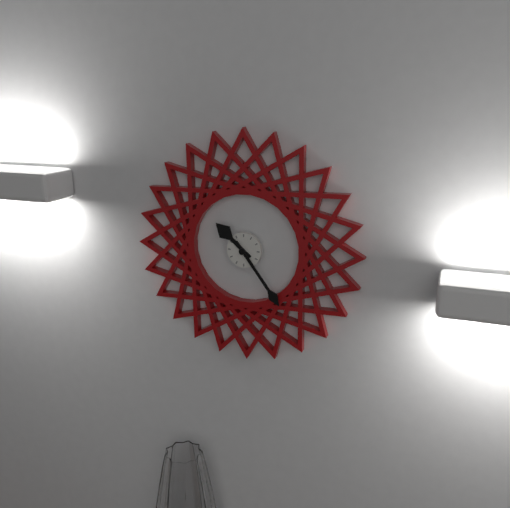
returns 10.24
